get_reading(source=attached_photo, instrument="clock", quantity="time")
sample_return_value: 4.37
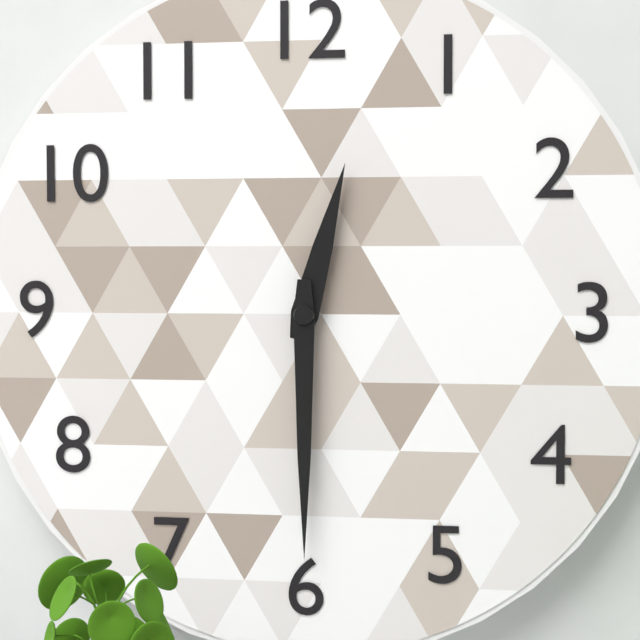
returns 12.30
